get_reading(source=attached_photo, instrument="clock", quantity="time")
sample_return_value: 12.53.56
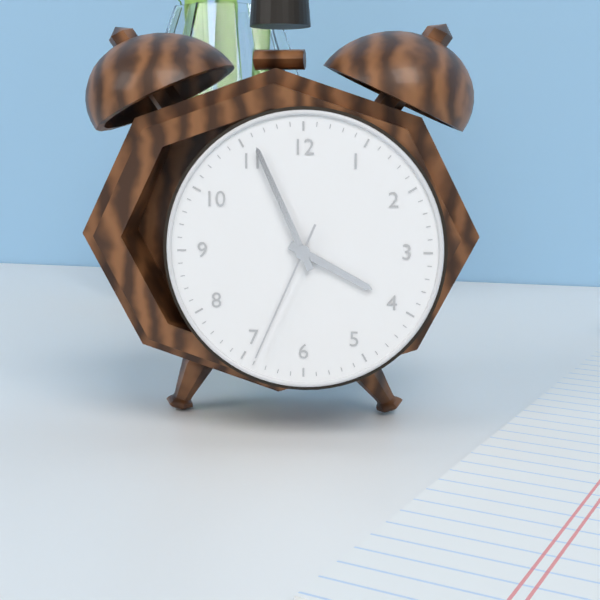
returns 3.56.34
